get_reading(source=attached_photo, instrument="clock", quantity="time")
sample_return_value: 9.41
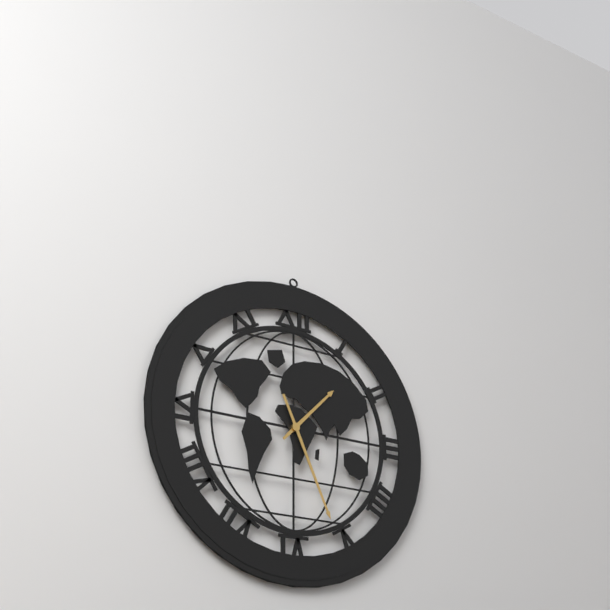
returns 1.26
